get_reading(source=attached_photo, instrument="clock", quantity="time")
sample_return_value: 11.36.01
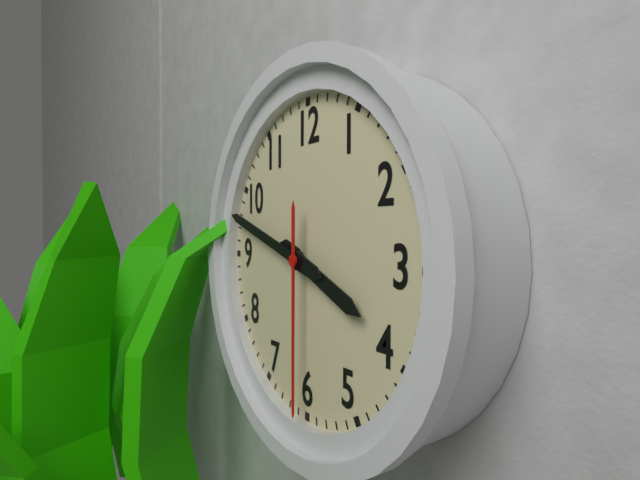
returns 3.48.30
